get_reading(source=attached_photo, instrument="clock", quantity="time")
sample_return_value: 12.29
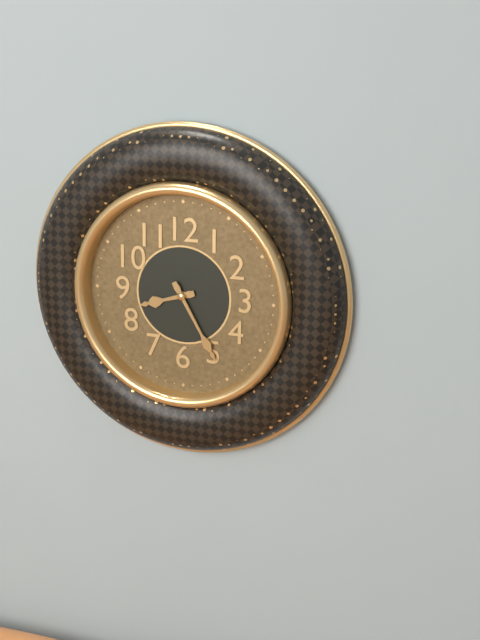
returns 8.25
